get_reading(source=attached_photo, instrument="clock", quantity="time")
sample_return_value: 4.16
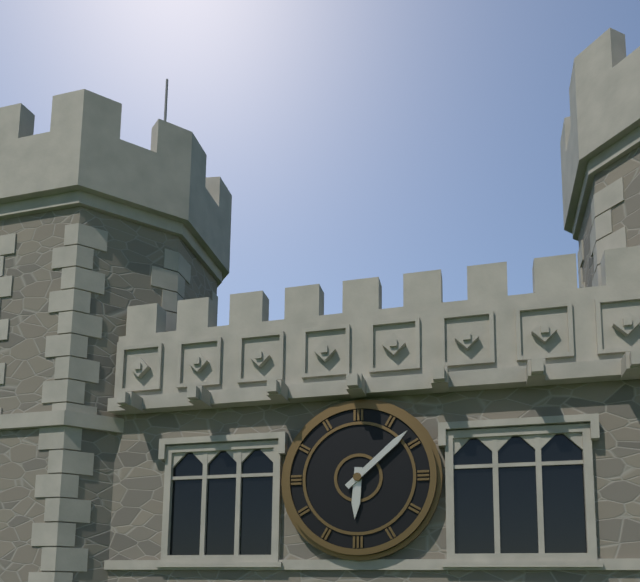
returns 6.08
